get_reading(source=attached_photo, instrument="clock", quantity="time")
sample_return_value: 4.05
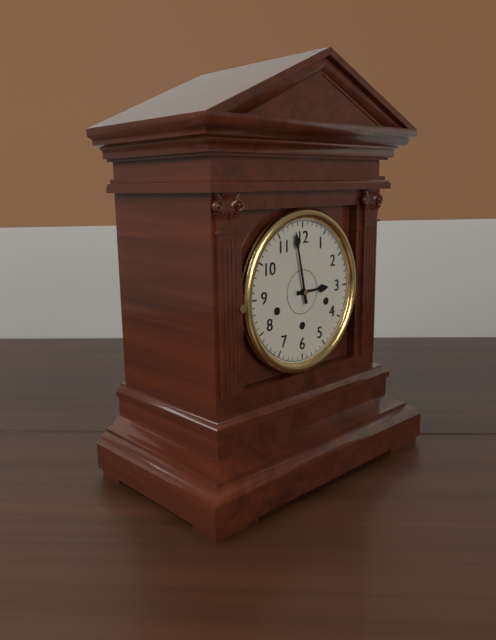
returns 2.58
